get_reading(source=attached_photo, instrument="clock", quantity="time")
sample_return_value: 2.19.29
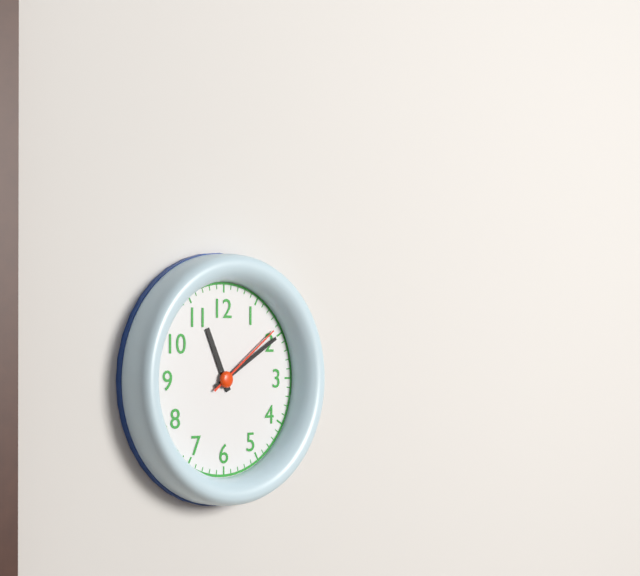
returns 11.10.09
